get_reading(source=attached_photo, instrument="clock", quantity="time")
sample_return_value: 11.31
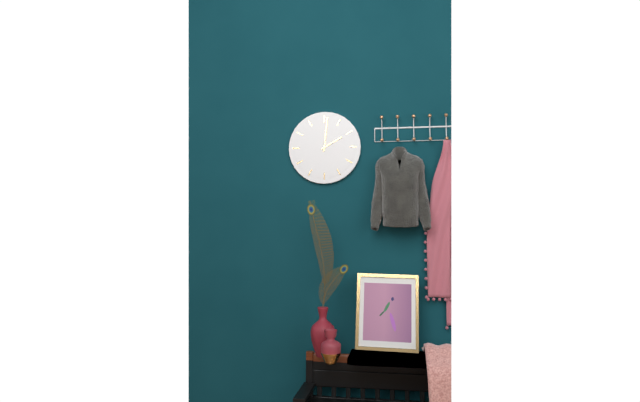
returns 2.01
